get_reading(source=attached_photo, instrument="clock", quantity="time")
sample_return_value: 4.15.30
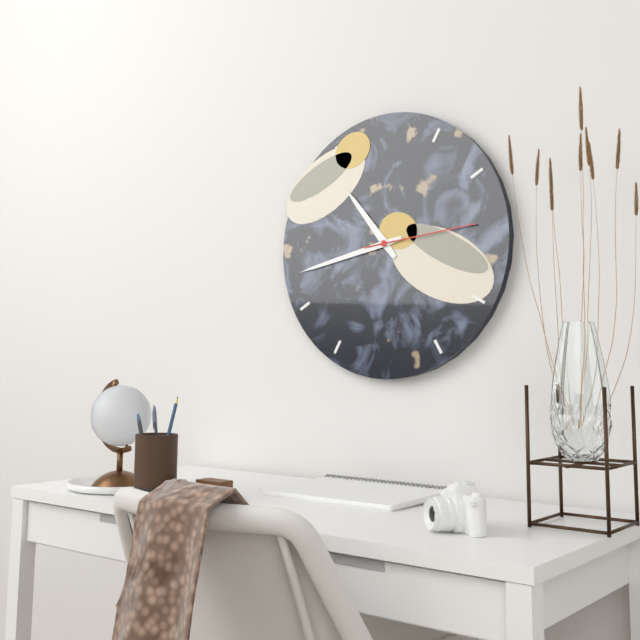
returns 10.43.14
